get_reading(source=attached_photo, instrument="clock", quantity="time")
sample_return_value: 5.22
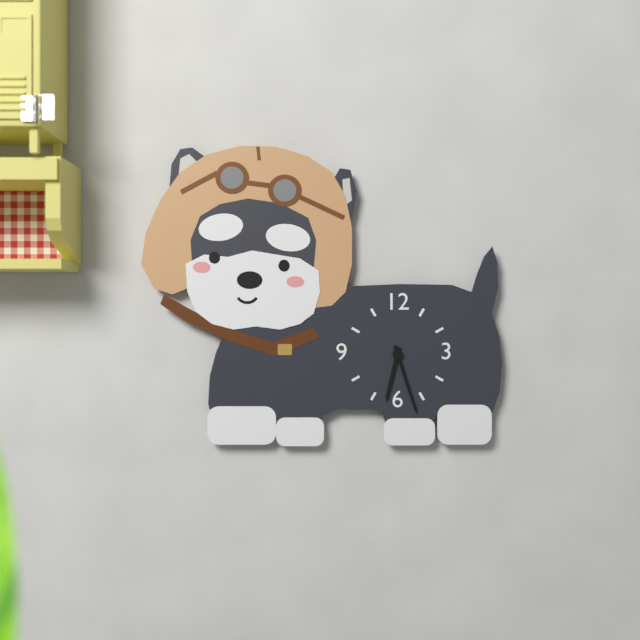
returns 6.27
